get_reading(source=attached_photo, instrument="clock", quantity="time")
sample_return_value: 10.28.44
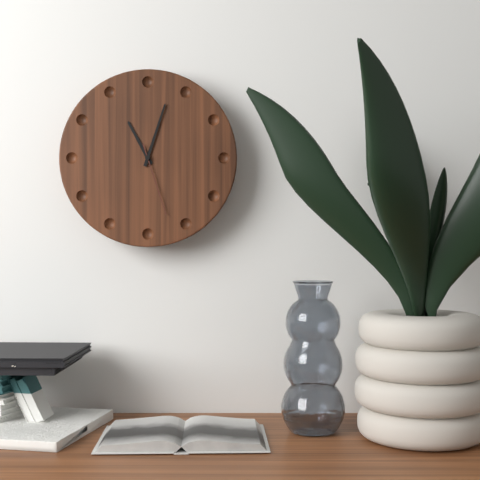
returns 11.03.27
